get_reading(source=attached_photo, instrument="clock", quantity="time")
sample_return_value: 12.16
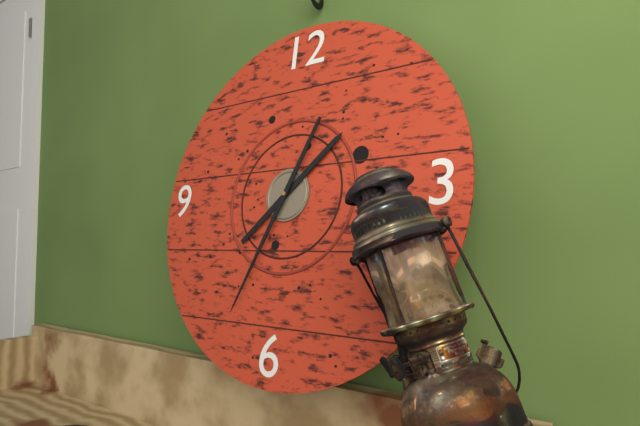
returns 1.34
